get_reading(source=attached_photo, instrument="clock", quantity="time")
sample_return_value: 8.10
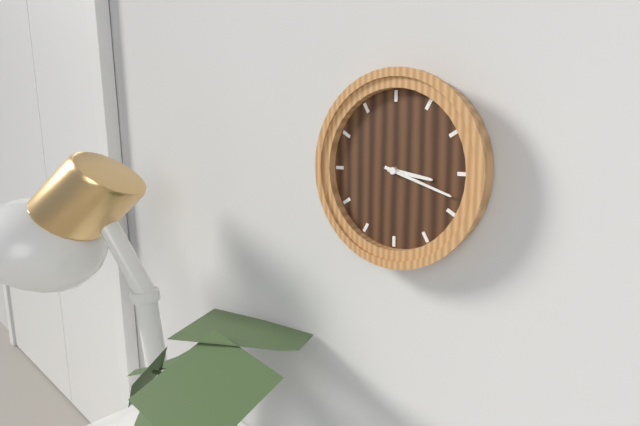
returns 3.18
